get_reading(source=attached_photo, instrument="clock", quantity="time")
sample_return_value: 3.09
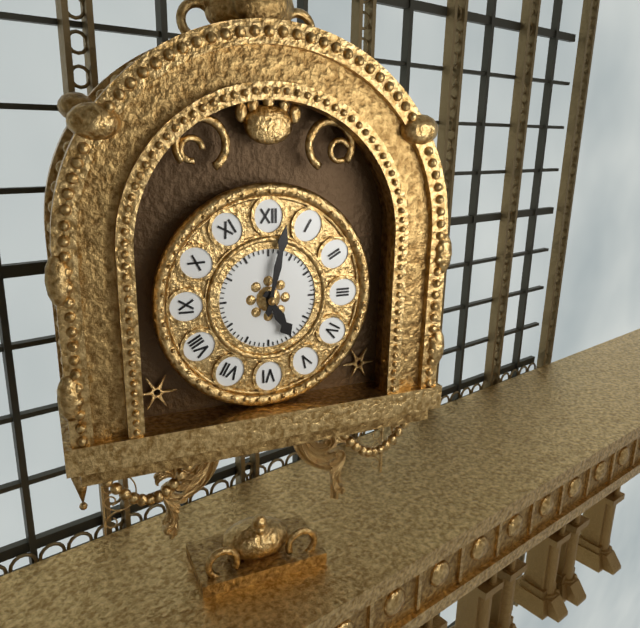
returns 5.02
